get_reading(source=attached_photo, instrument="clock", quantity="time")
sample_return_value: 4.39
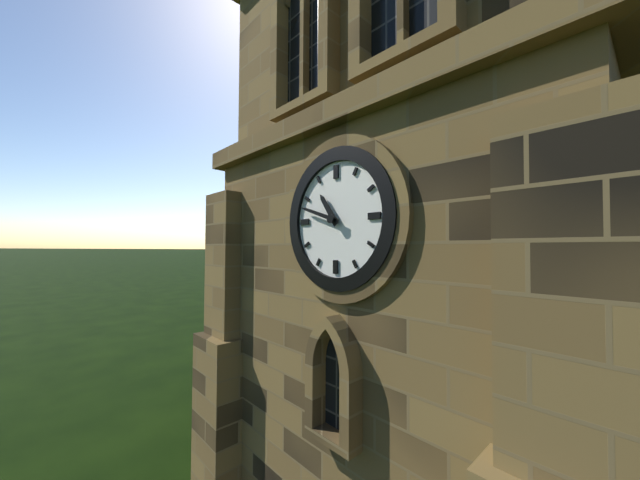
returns 10.48
